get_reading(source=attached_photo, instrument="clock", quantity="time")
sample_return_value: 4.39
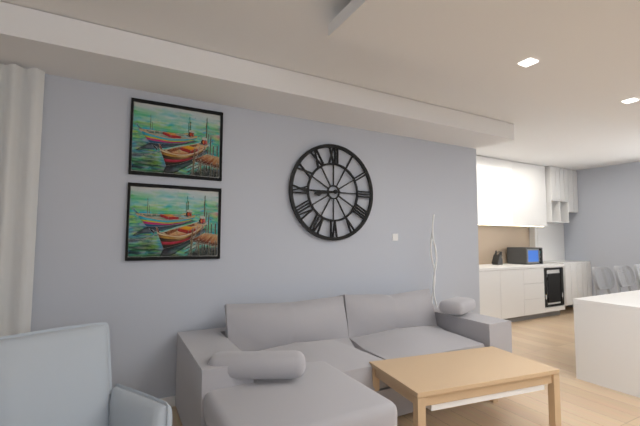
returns 8.45
